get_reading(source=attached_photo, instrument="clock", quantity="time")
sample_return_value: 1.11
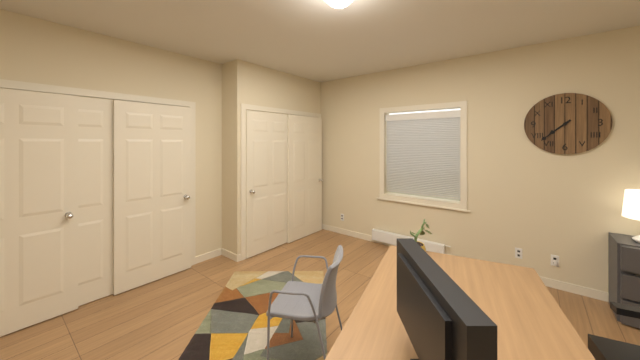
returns 7.38
